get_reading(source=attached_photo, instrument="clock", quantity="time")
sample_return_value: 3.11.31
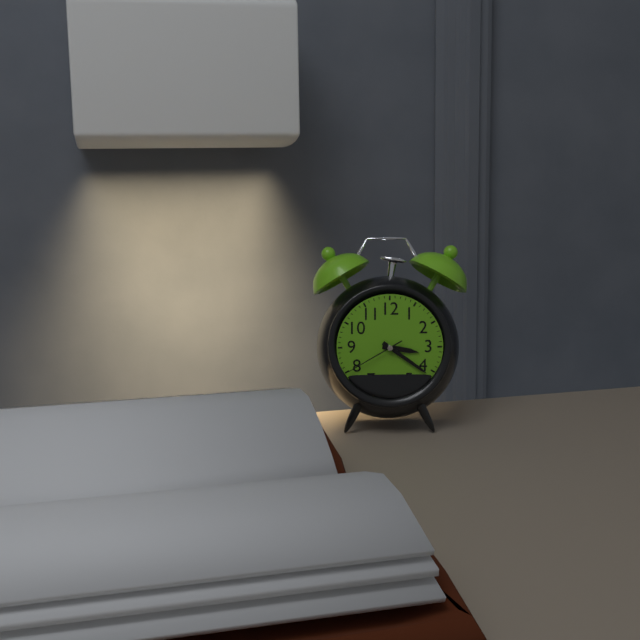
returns 3.21.40
